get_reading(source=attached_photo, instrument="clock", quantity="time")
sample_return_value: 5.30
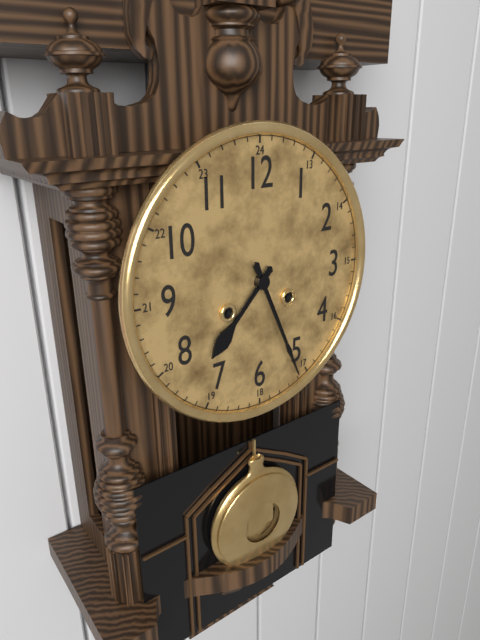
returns 7.26
